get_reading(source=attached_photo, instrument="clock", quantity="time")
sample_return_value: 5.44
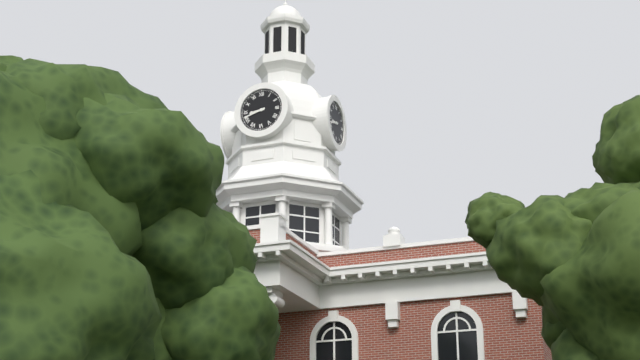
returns 8.42
